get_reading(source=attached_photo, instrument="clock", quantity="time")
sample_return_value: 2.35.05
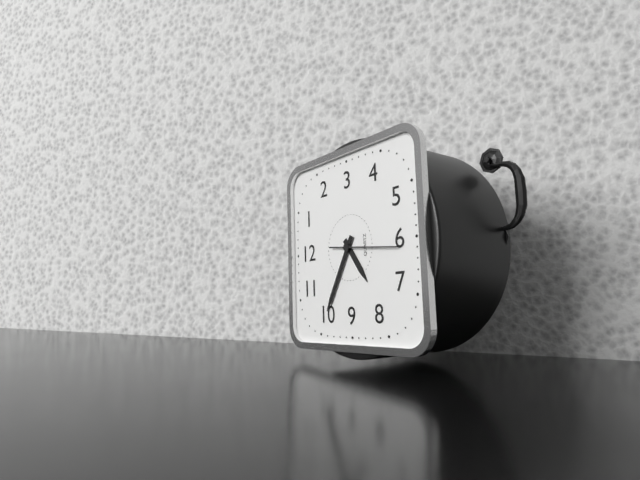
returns 7.50.31
